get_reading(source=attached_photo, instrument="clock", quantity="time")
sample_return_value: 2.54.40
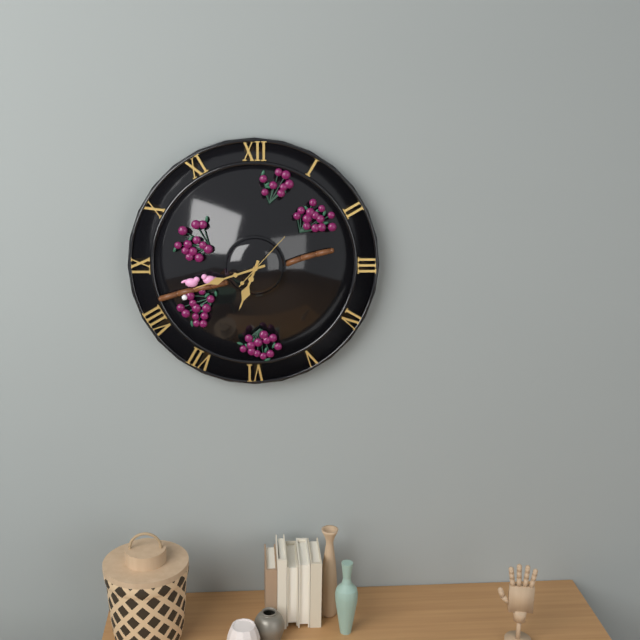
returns 6.42.07
